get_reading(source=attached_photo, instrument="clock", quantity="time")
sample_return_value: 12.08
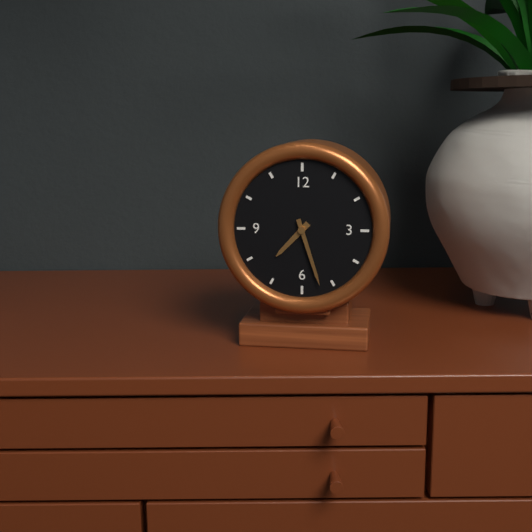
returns 7.27
